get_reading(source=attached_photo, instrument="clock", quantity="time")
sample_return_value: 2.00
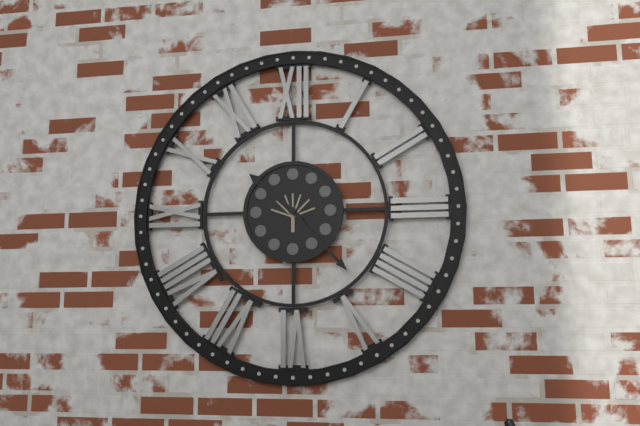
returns 10.23
